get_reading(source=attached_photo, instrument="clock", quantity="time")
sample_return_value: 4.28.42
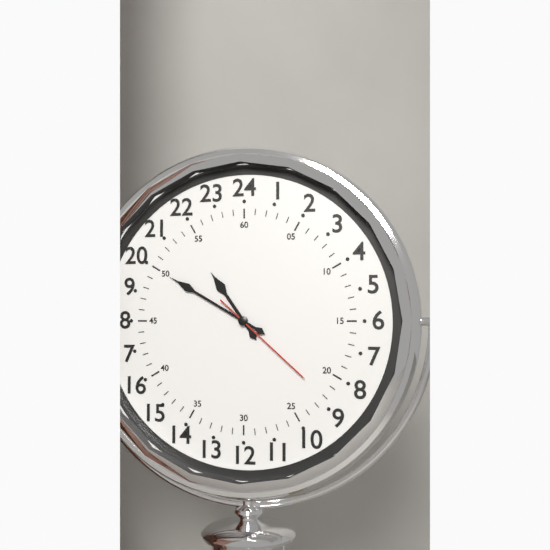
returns 10.50.22
